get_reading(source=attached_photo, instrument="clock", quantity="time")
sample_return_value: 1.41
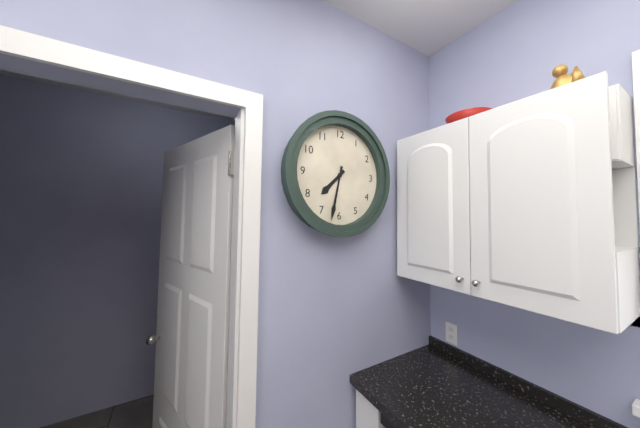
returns 7.32
